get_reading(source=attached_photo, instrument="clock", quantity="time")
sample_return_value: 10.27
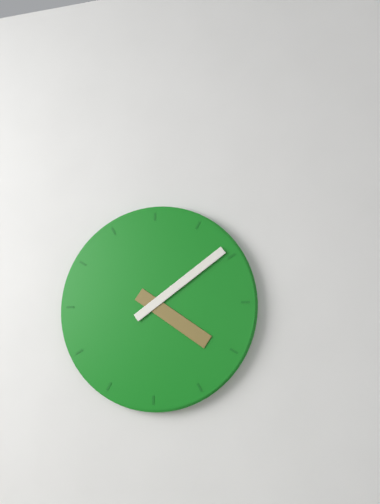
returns 4.09
